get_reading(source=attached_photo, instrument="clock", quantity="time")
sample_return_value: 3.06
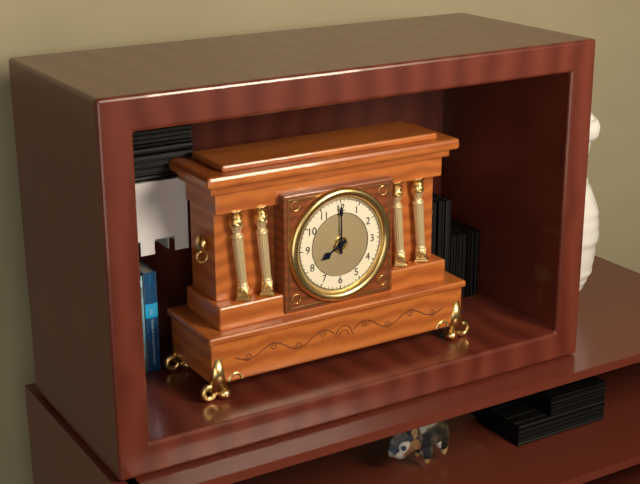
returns 8.00
